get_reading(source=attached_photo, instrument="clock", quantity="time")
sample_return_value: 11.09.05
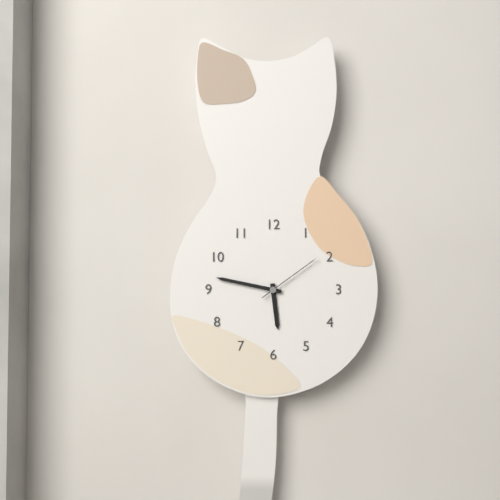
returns 5.47.09
